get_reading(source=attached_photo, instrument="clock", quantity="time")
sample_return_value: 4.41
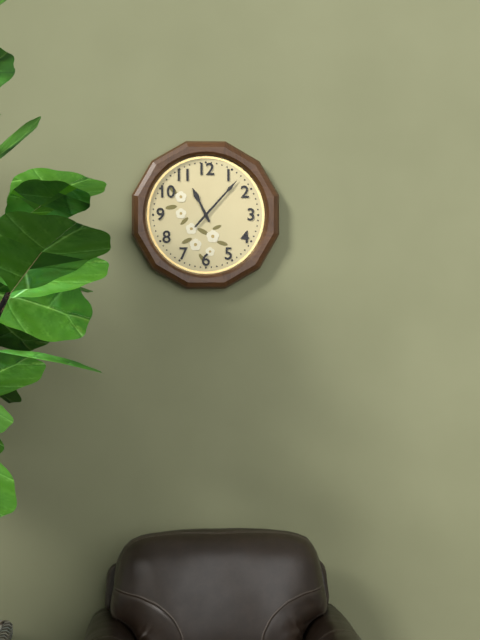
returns 11.07
